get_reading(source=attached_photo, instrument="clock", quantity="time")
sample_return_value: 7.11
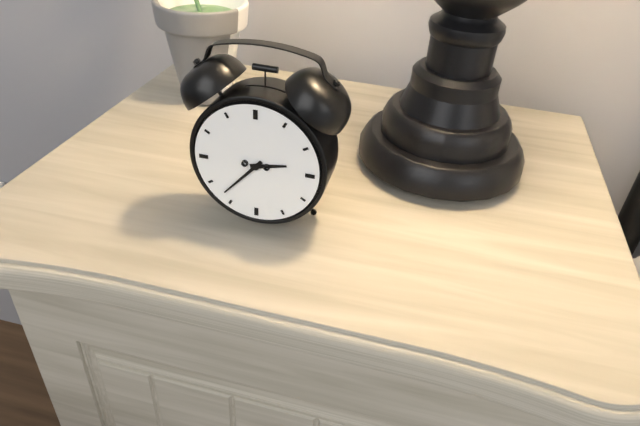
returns 2.37
